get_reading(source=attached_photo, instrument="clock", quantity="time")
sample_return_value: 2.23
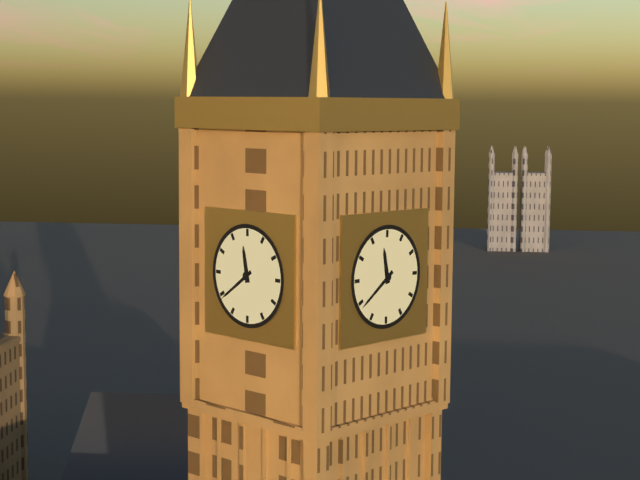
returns 11.39
